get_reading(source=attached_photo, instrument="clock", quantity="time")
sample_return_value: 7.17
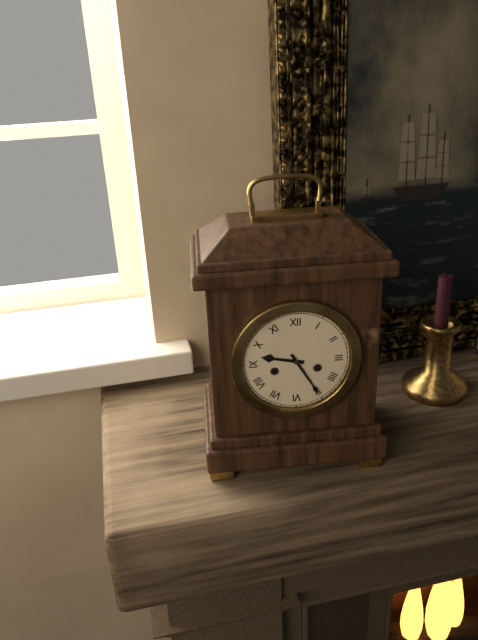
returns 9.25
